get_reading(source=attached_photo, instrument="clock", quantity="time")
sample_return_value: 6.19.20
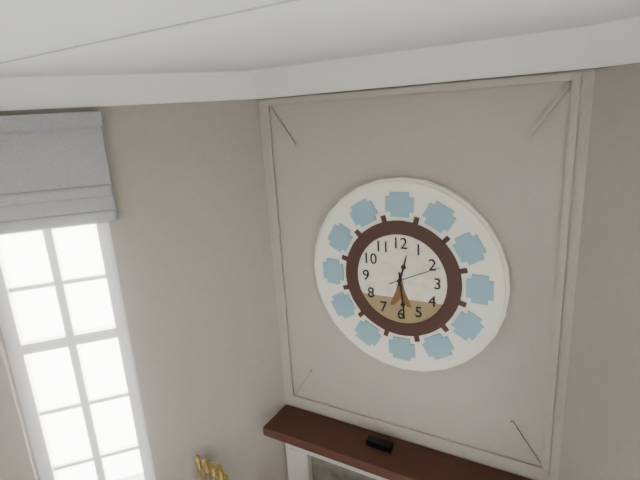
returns 12.29.11
